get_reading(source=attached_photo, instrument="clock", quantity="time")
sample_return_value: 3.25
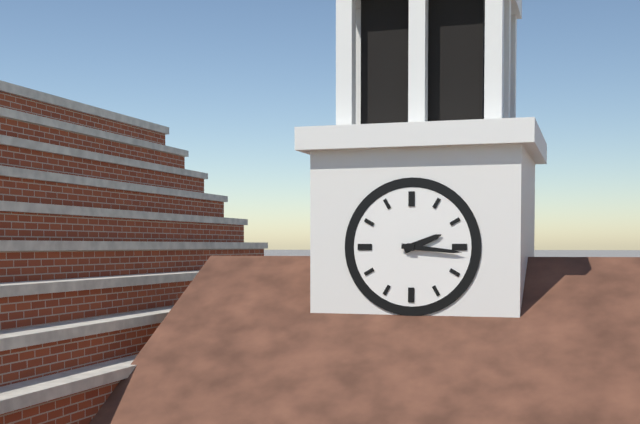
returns 2.16
